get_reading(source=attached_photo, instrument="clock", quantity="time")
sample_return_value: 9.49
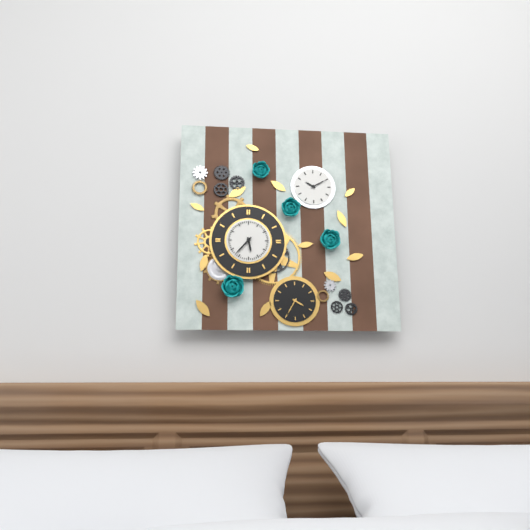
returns 5.37
